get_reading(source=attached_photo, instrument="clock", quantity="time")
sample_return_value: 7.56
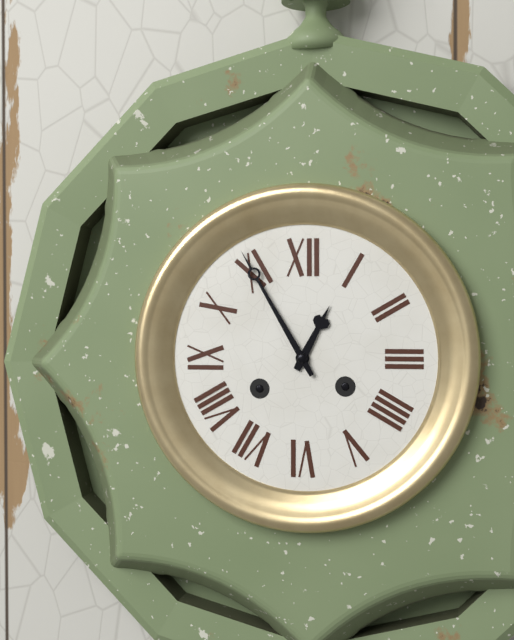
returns 12.55
